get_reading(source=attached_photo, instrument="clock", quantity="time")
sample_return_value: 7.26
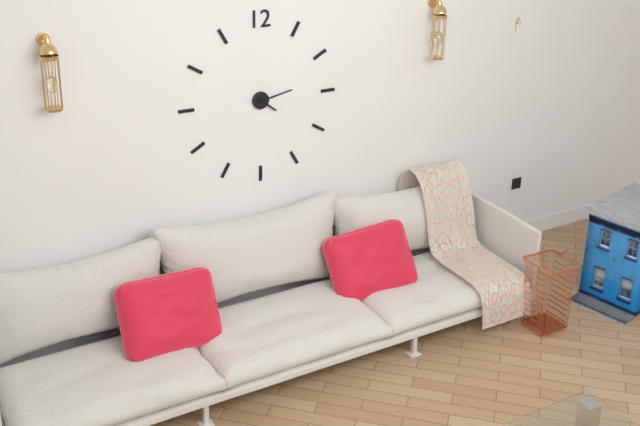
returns 4.13
